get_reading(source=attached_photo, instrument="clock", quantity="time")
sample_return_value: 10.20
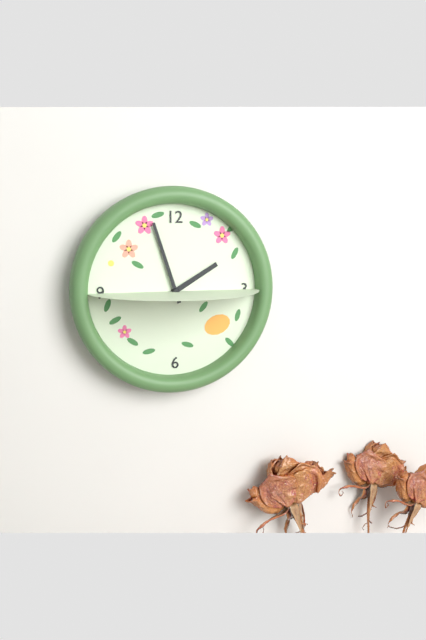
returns 1.57
